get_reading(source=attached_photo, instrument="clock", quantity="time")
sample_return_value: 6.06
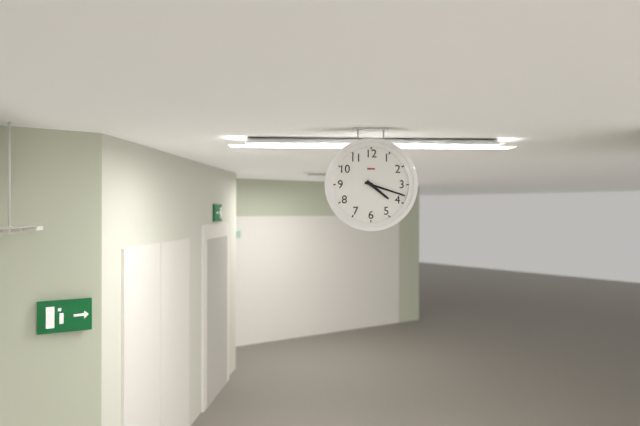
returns 4.18
